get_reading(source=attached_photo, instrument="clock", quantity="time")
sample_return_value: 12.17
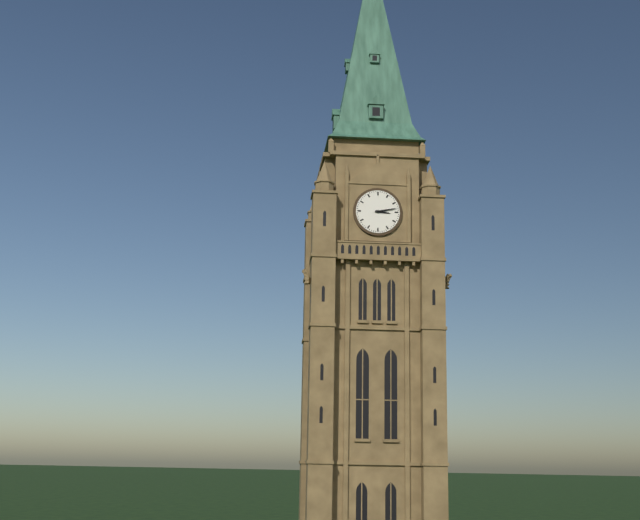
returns 3.13
